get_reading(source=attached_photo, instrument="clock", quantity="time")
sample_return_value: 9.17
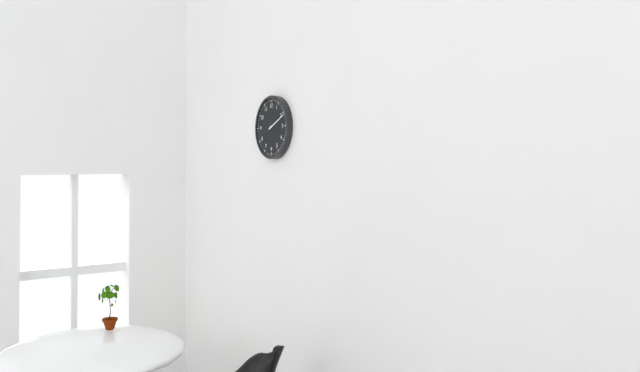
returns 2.11
